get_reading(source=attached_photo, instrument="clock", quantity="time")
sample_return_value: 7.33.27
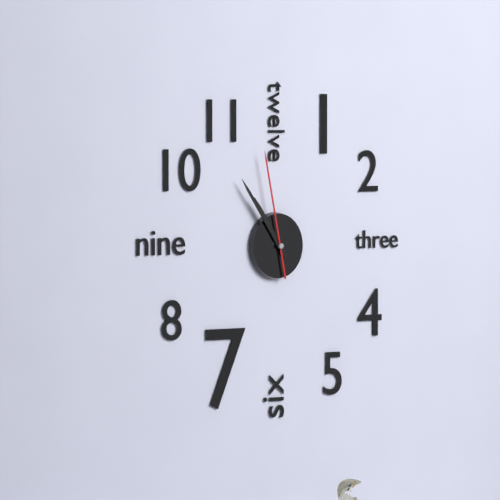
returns 10.54.58
